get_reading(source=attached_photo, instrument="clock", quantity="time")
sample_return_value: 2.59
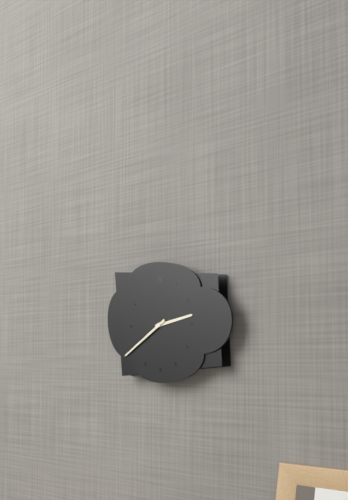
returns 2.40
